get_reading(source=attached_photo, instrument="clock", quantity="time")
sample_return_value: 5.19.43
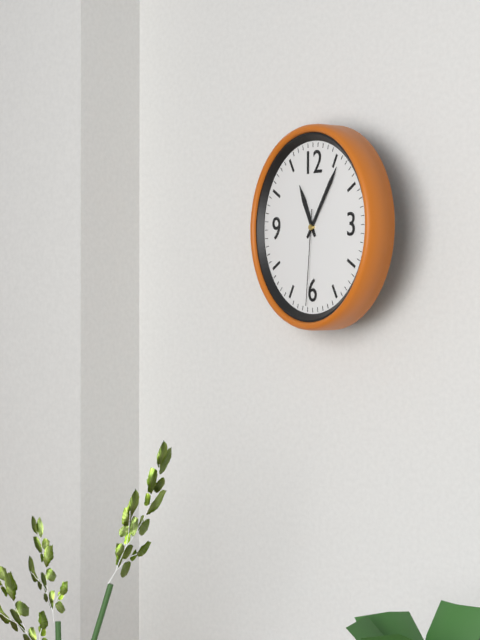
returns 11.06.31
